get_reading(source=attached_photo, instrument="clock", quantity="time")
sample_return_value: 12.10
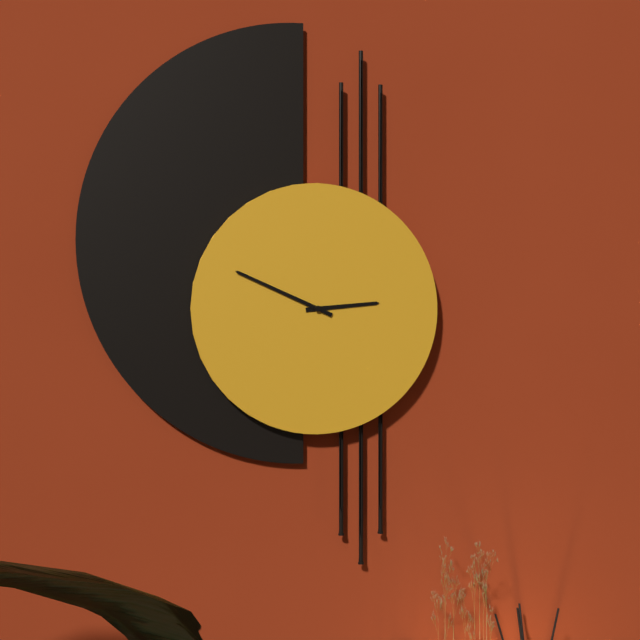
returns 2.49
